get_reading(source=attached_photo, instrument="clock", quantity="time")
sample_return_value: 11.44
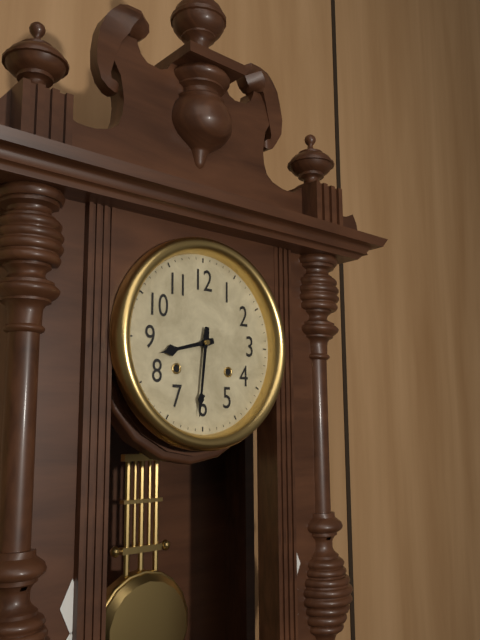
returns 8.31
